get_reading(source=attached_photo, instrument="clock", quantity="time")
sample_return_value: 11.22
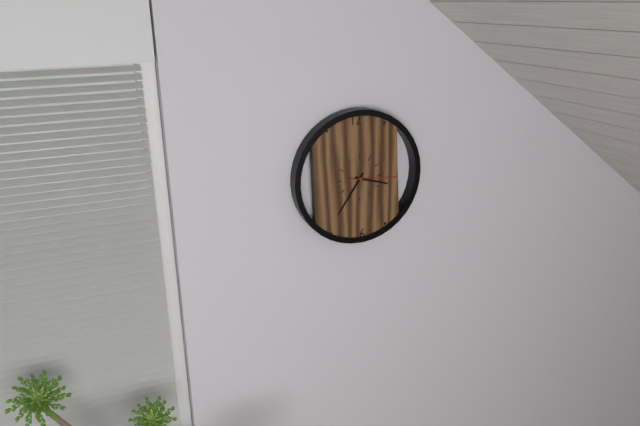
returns 3.36
